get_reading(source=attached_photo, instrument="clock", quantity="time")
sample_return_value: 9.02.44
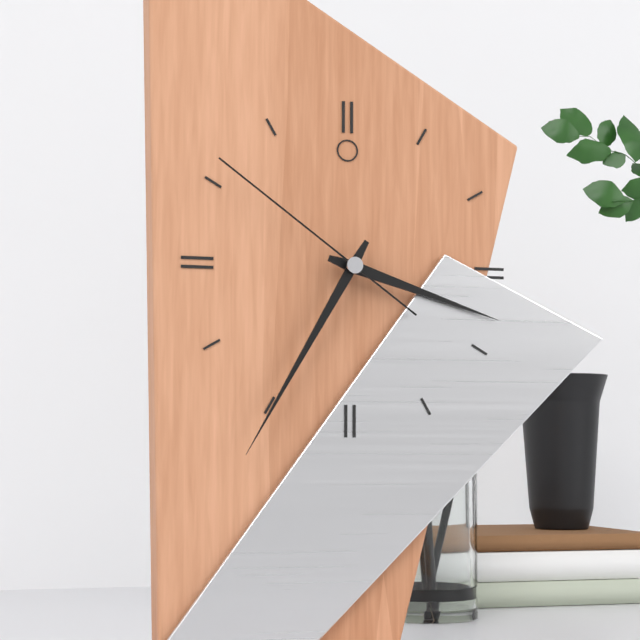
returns 3.35.51
